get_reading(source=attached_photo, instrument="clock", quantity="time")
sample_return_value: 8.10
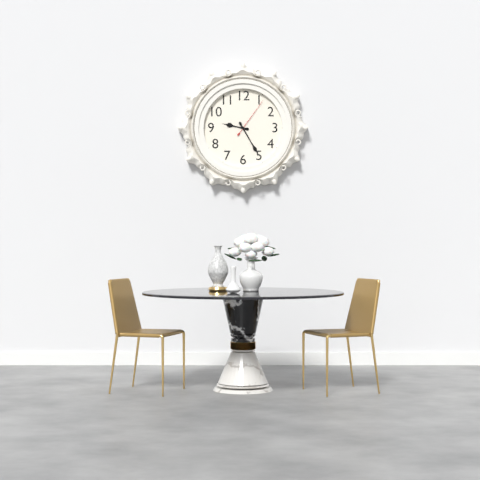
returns 9.25
